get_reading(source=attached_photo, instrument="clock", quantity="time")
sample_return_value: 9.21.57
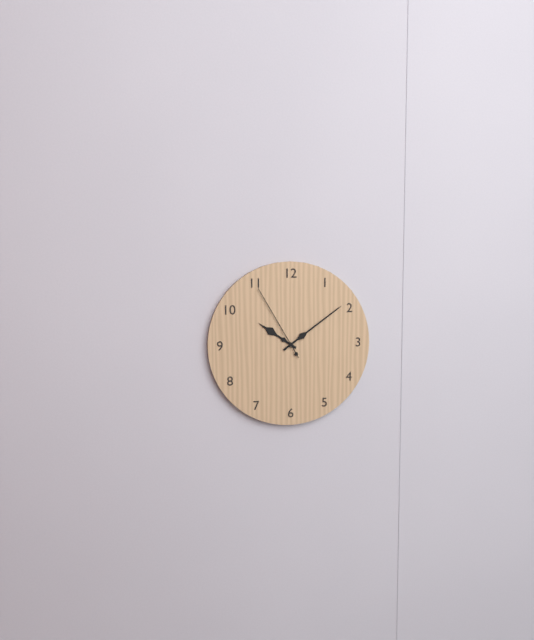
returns 10.09.55
